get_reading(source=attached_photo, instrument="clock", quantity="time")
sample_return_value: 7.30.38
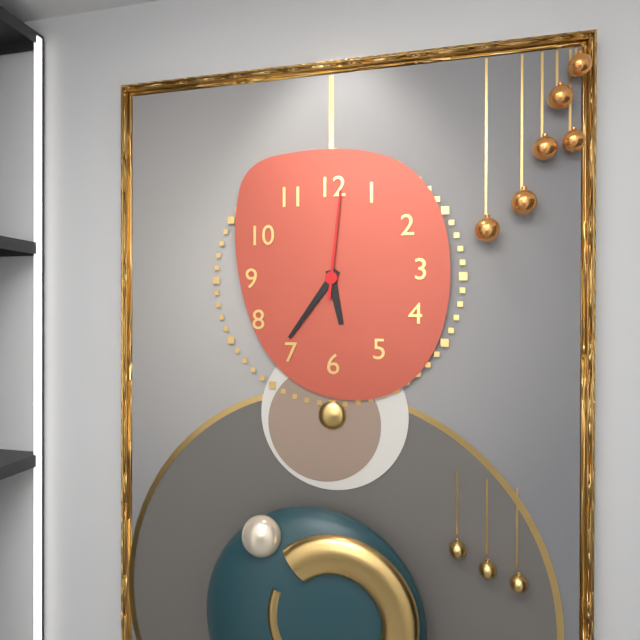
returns 5.36.01
